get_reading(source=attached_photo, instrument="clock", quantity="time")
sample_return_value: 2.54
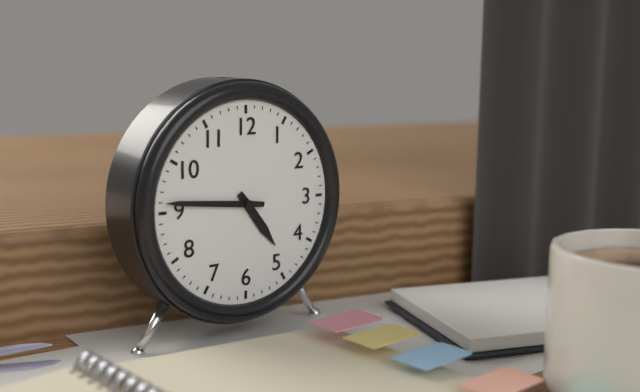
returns 4.46
